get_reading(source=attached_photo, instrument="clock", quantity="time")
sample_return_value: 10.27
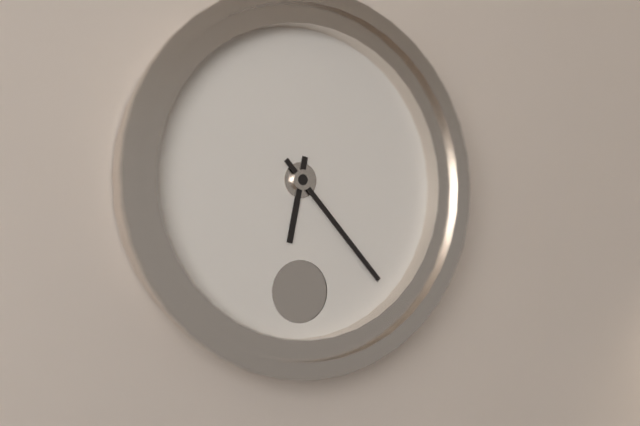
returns 6.23
